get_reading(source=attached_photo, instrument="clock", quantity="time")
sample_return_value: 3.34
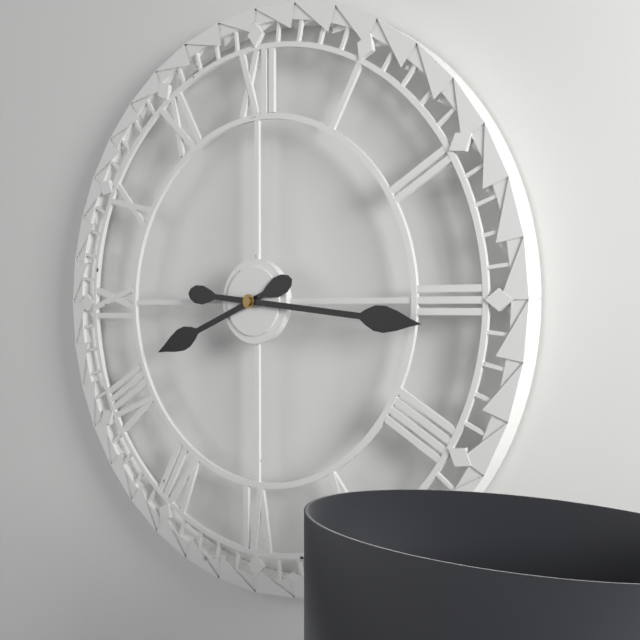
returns 8.16
